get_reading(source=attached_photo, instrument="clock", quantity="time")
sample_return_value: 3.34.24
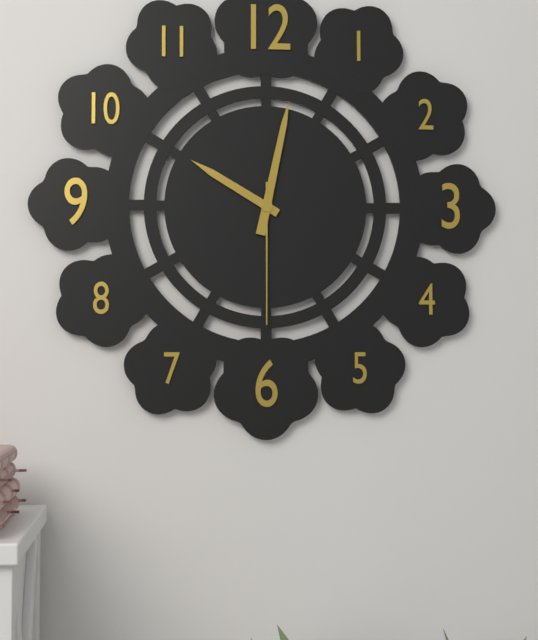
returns 10.02.30
